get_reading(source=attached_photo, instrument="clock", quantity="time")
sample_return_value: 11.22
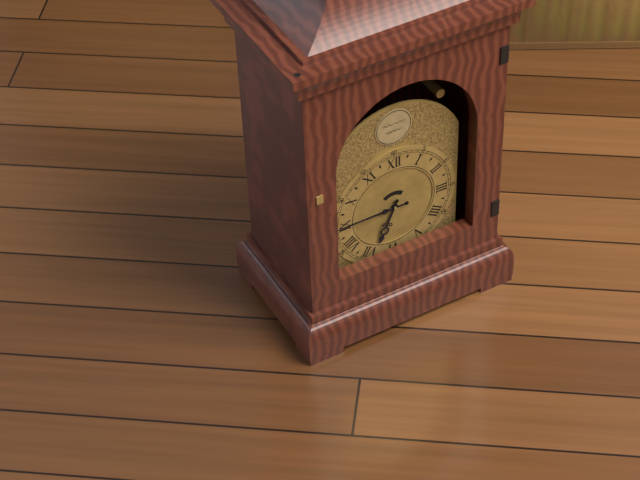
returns 6.45
